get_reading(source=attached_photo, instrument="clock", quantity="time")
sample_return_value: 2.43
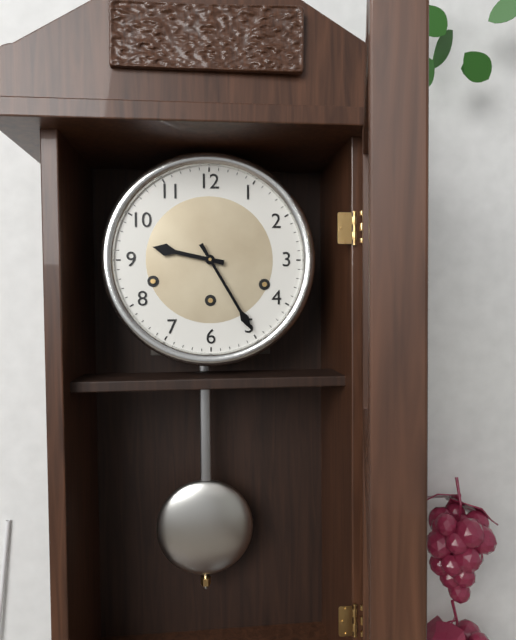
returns 9.25
